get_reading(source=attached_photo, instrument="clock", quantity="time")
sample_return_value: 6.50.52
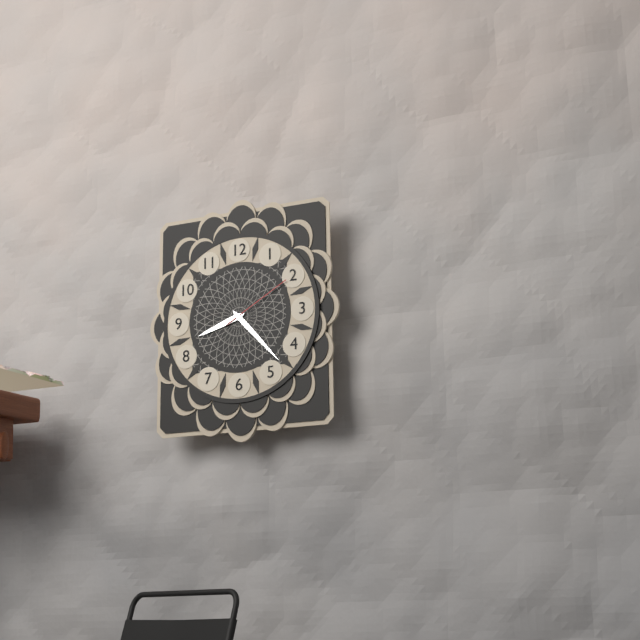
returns 8.23.10
